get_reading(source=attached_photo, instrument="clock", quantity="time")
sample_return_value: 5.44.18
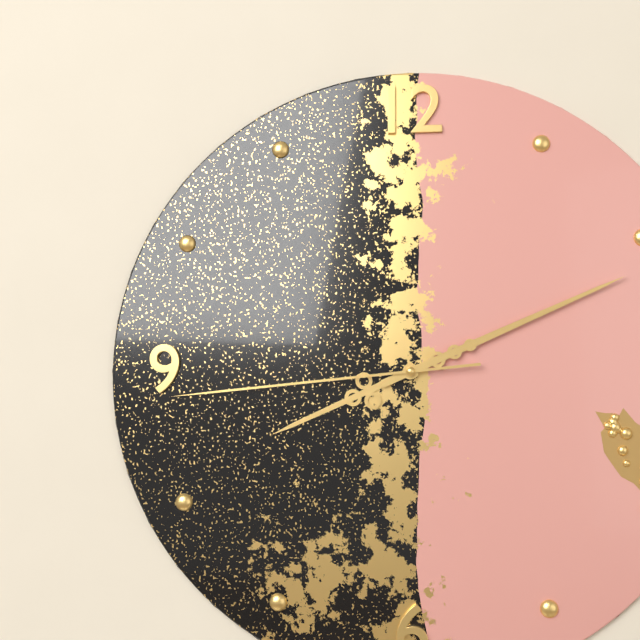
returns 8.11.44
